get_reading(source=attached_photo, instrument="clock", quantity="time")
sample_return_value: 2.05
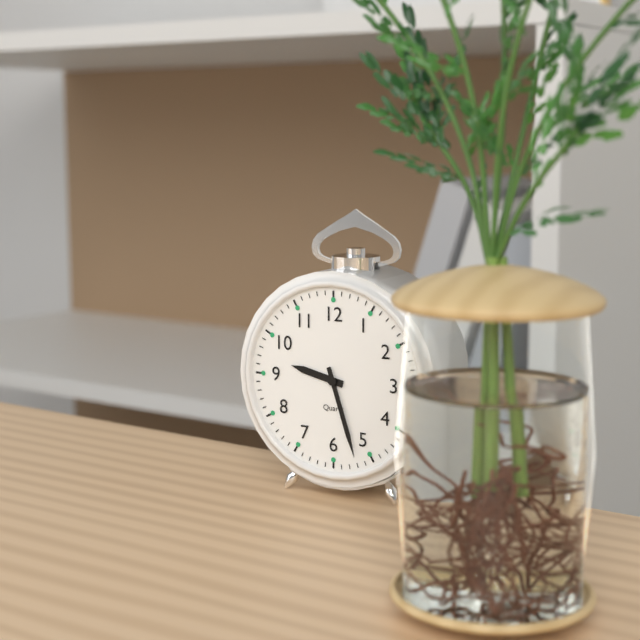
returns 9.27
